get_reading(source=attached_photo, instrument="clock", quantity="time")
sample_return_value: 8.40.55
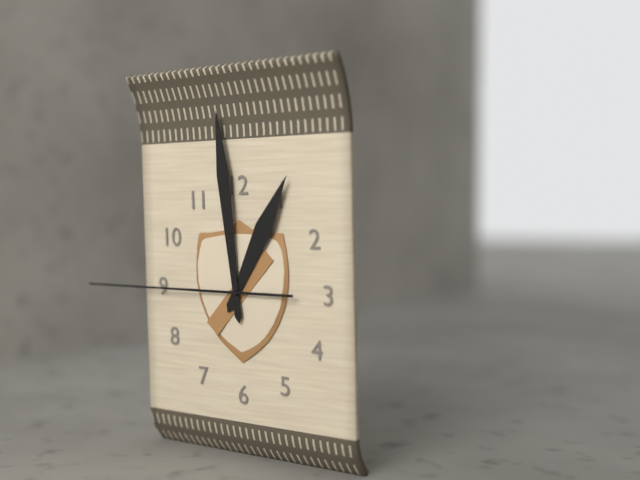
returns 12.59.45
